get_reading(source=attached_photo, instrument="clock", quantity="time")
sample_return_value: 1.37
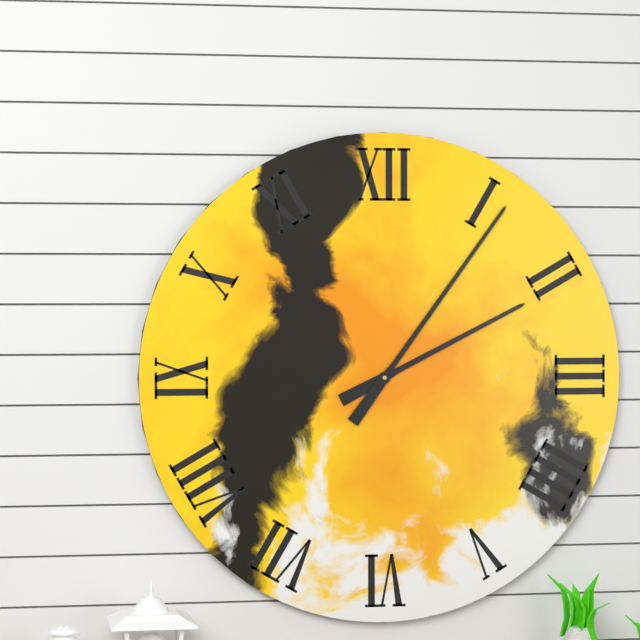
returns 2.06
